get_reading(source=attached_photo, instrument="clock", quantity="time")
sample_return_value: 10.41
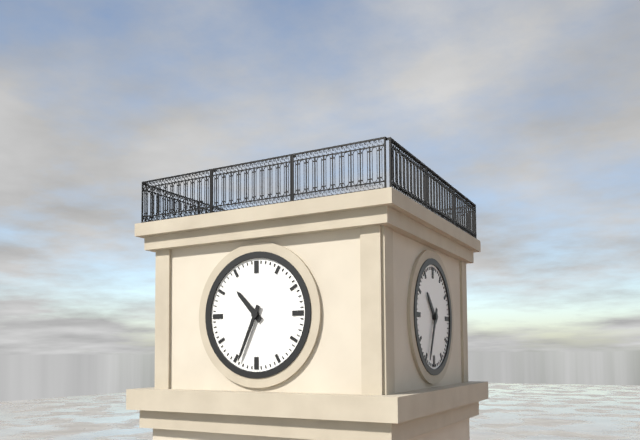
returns 10.34
